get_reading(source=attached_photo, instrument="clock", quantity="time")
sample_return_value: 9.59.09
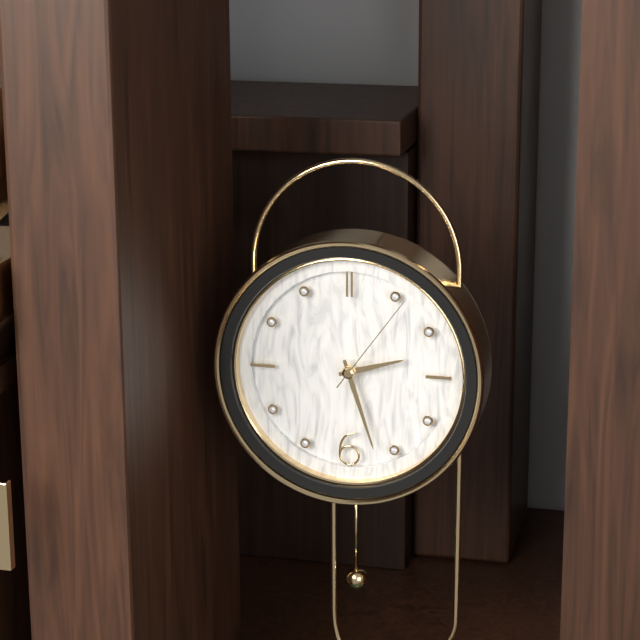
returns 2.27.06
